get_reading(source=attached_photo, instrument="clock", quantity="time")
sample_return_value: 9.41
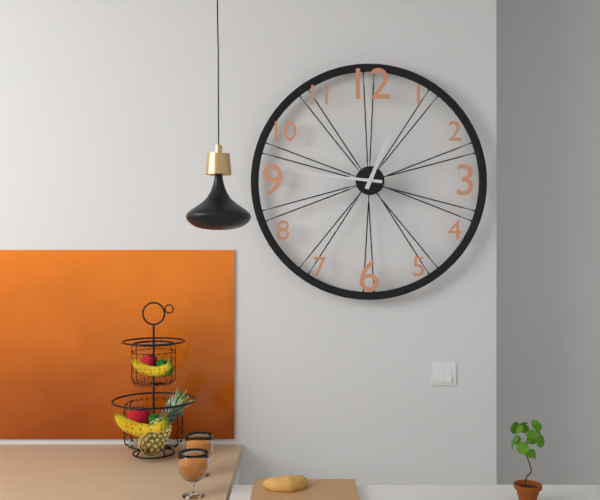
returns 12.46
